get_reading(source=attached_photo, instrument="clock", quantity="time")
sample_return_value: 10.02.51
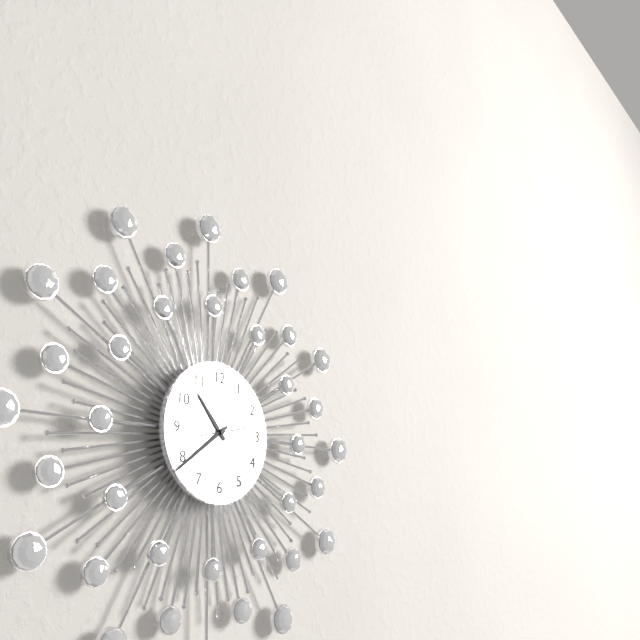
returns 10.39.13
